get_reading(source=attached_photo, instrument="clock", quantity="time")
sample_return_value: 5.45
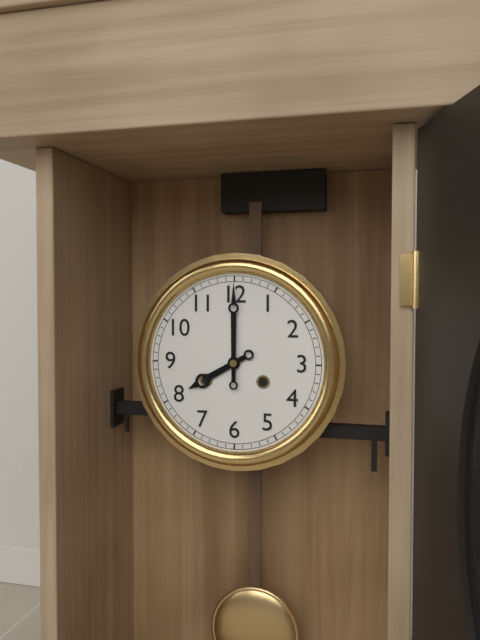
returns 8.00
